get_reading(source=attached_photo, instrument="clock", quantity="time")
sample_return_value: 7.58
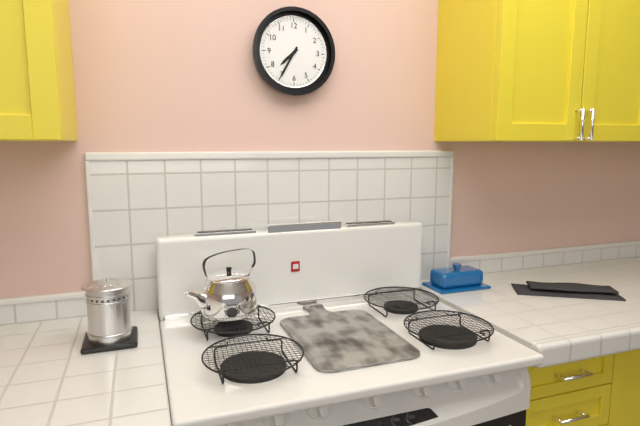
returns 7.35
